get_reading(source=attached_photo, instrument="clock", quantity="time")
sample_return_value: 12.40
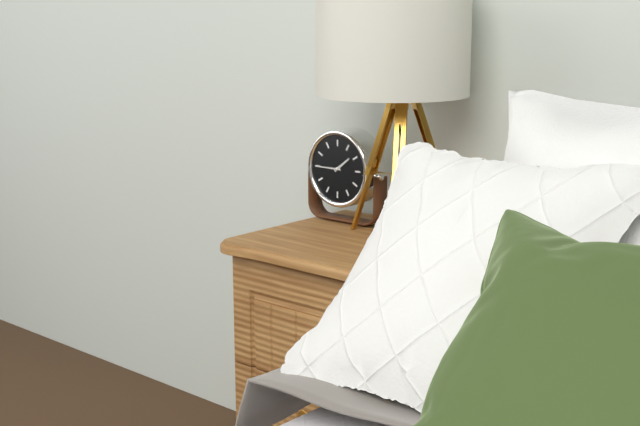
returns 1.45
